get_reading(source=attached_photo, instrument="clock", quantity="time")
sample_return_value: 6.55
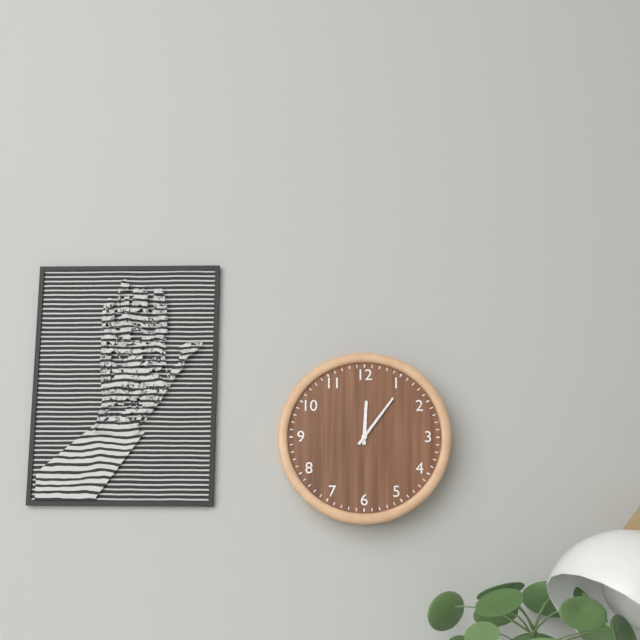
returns 12.06
